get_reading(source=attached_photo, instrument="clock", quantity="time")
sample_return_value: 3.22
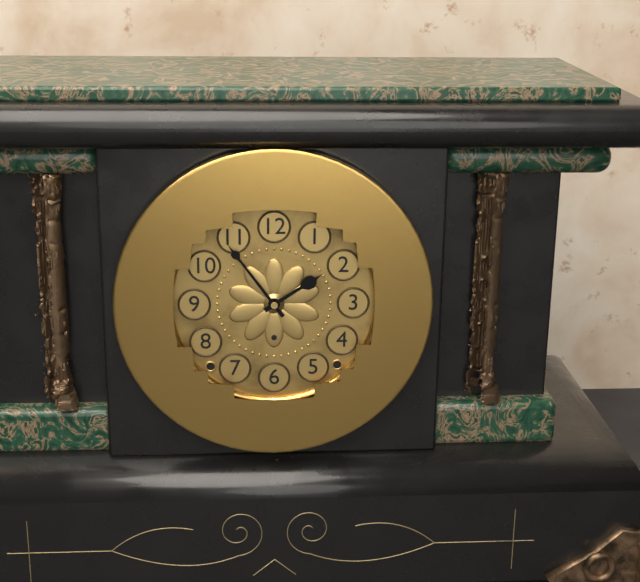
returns 1.54
